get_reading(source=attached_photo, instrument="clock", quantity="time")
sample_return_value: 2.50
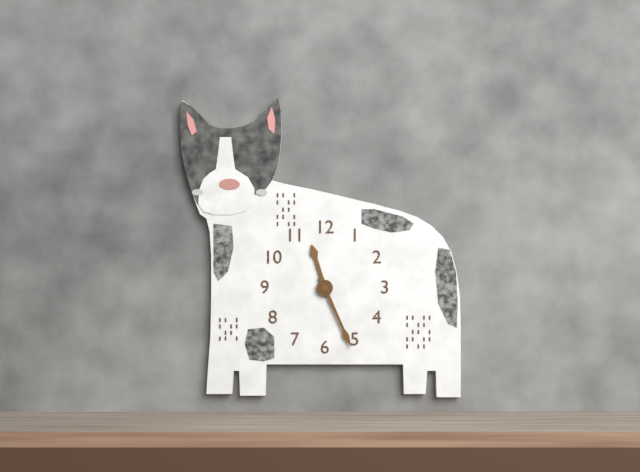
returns 11.26
